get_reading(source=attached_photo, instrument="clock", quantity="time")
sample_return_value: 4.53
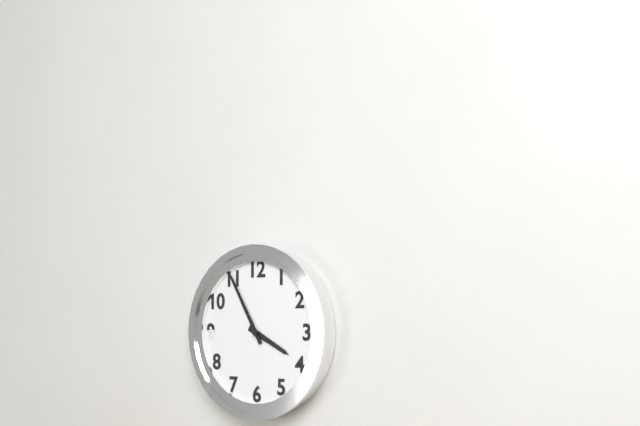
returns 3.55
